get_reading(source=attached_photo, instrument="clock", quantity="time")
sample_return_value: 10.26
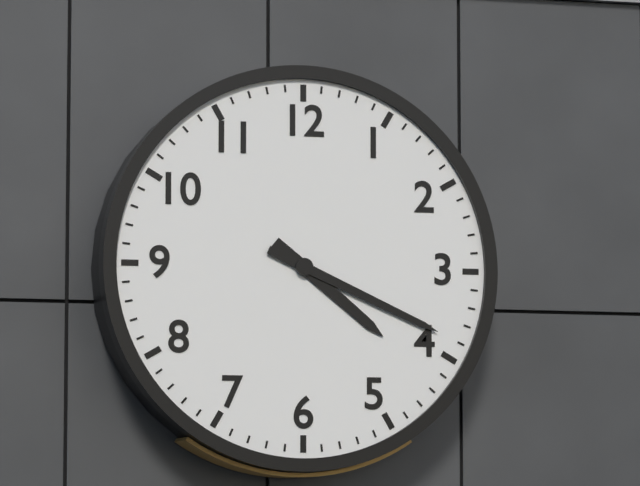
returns 4.19
